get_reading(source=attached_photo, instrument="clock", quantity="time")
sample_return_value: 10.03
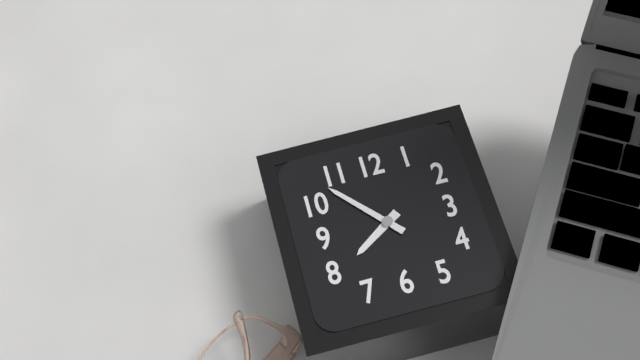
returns 7.53
